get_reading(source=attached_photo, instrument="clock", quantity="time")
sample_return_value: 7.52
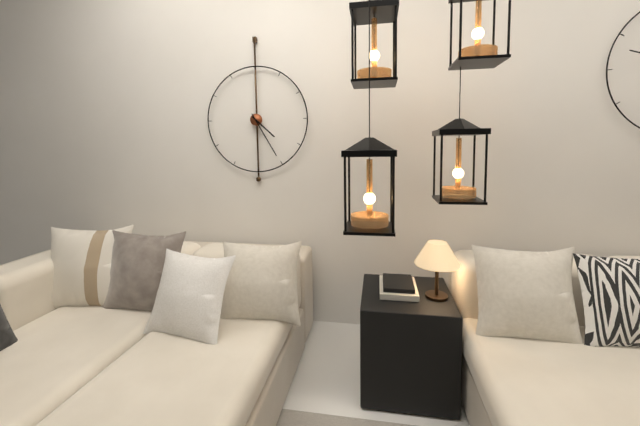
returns 4.25
